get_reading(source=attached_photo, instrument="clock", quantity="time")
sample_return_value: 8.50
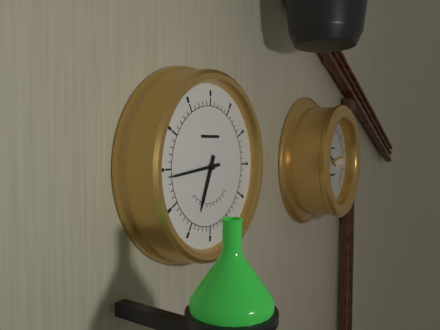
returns 6.44
